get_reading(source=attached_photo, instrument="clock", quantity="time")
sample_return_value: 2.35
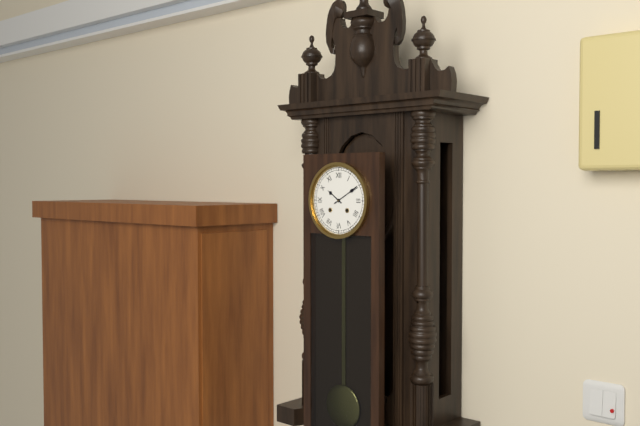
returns 10.10
